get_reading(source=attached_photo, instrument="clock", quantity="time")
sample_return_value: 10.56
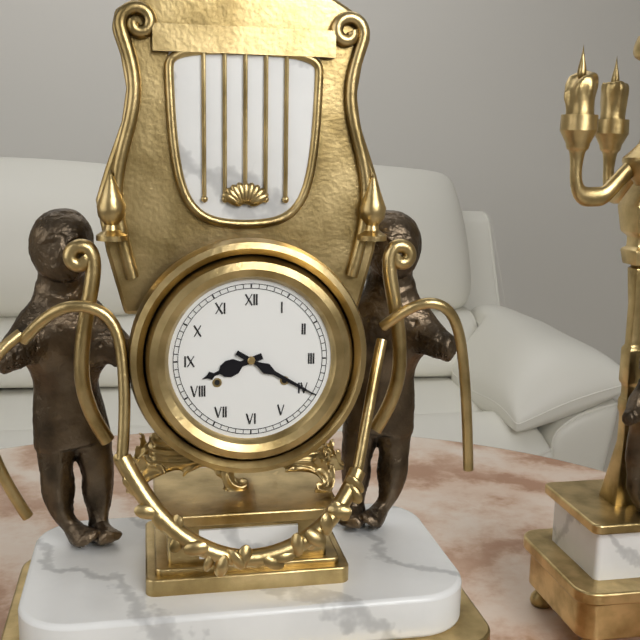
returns 8.20
